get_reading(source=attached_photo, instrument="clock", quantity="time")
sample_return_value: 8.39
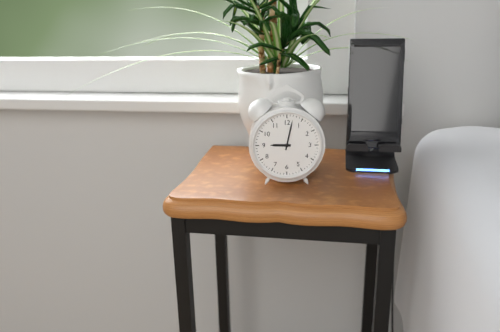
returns 9.02
